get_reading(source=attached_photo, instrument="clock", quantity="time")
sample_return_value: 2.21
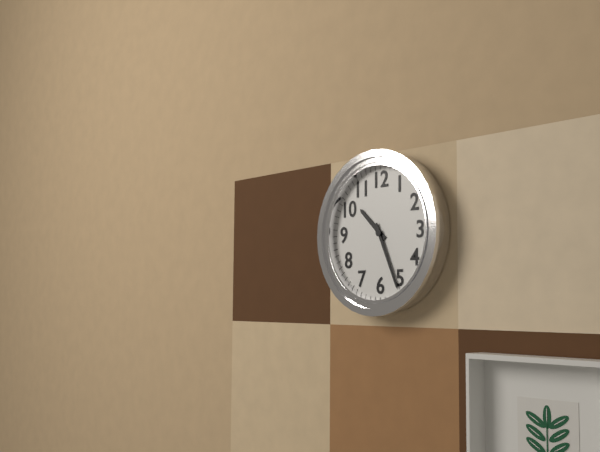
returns 10.26
